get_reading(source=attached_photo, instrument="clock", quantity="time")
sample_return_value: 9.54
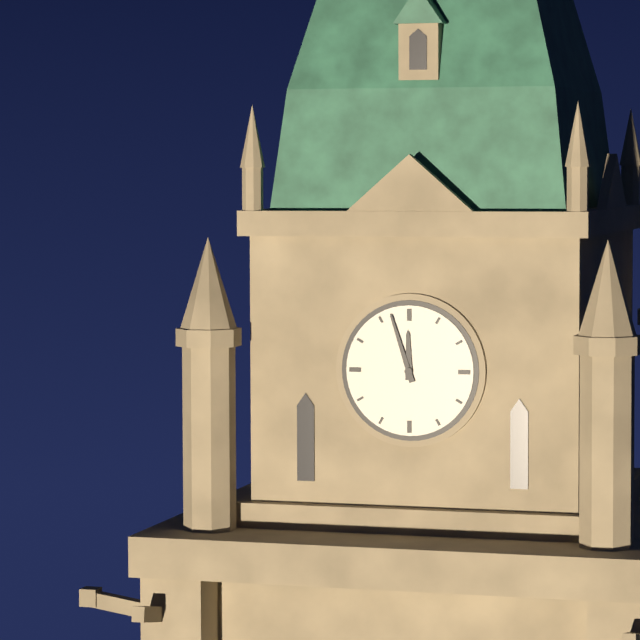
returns 11.57
